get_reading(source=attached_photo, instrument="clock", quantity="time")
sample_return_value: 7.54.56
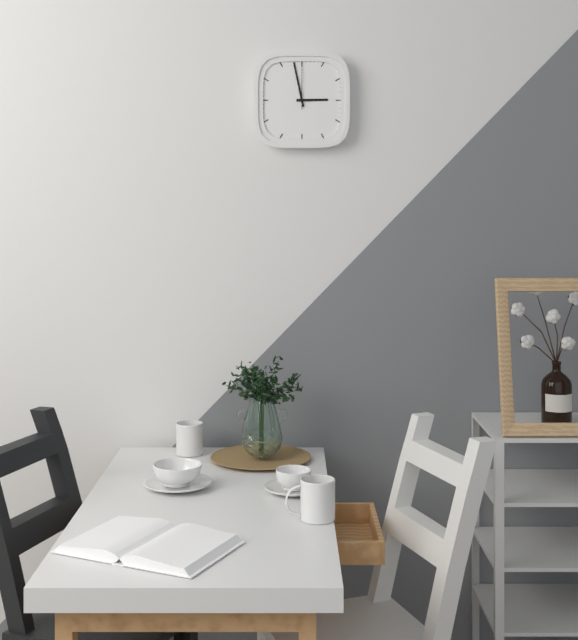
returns 2.58.00
